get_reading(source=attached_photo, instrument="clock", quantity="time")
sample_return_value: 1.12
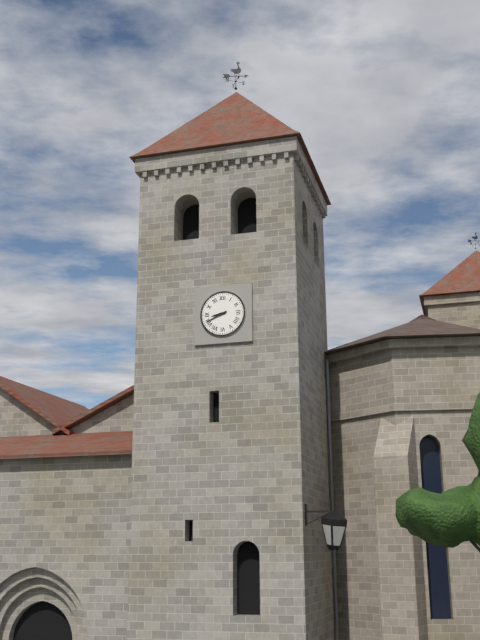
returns 8.41
